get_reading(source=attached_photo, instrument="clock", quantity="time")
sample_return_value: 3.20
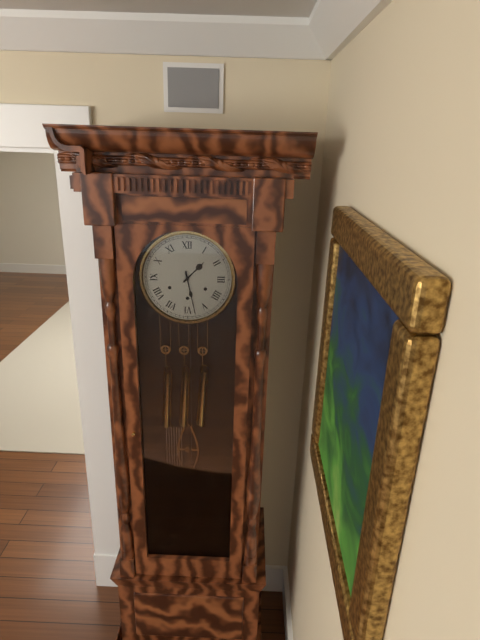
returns 1.28
